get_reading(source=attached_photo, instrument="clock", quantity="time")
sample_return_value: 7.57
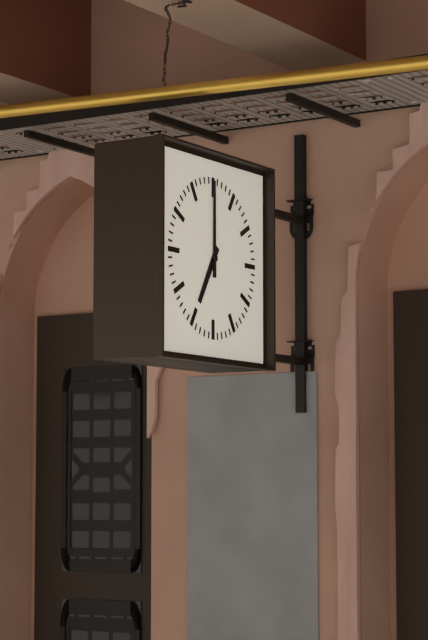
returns 7.00
